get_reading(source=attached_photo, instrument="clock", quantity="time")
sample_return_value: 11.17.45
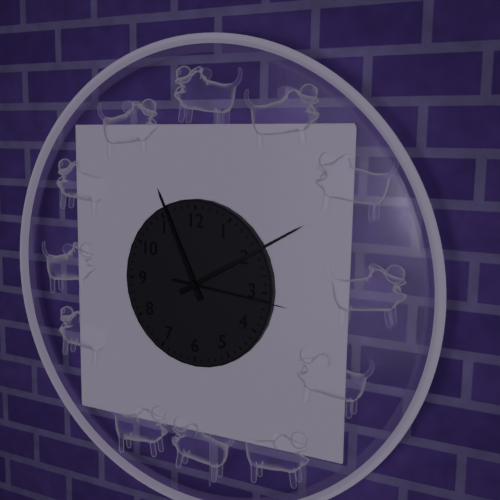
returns 11.10.16
